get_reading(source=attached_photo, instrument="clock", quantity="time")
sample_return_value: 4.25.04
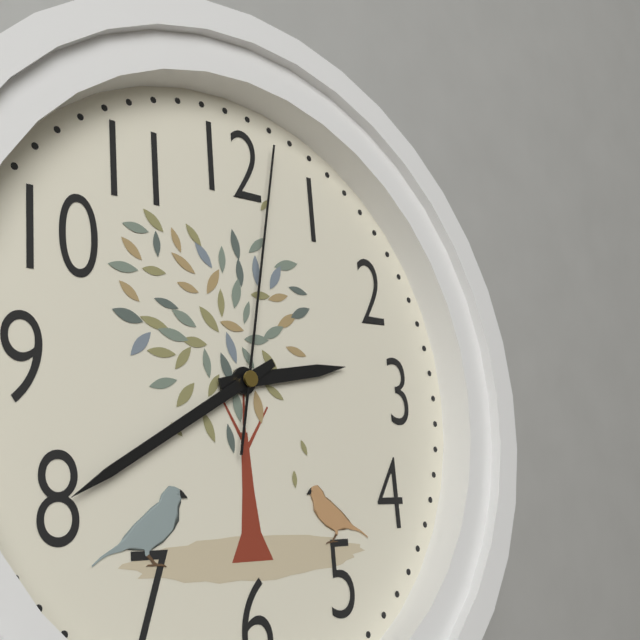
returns 2.40.02
